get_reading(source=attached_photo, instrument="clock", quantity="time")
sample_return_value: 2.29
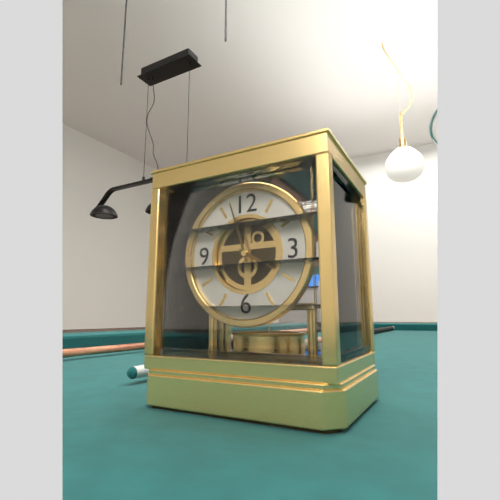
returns 3.57
